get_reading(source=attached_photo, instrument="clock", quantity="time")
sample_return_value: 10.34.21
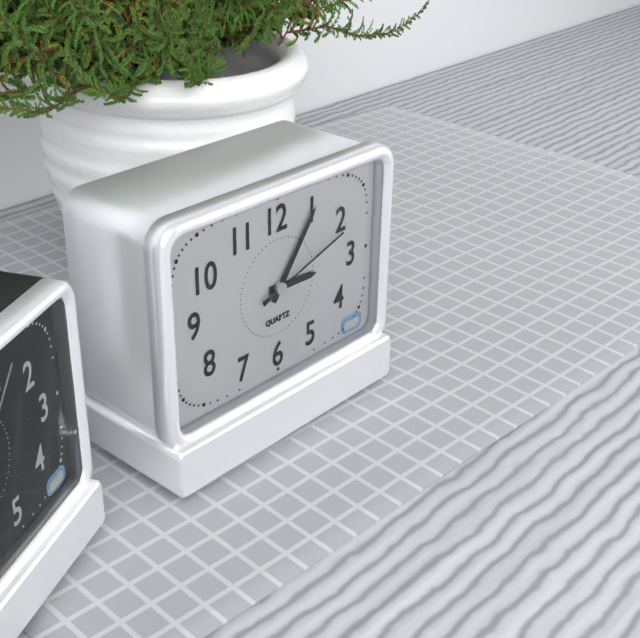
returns 3.06.12
